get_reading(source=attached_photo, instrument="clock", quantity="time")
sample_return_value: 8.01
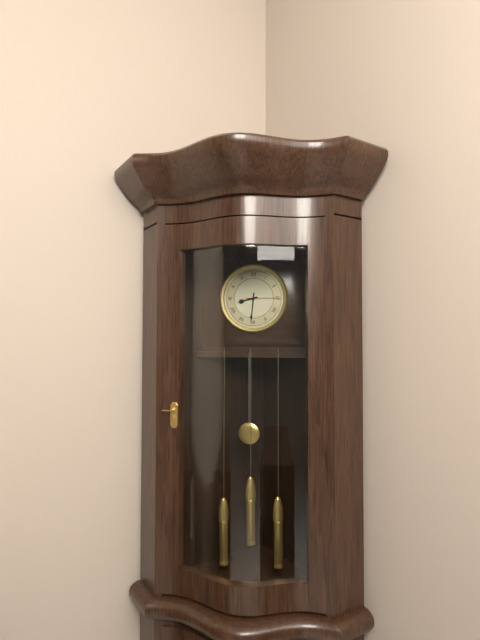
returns 8.31
